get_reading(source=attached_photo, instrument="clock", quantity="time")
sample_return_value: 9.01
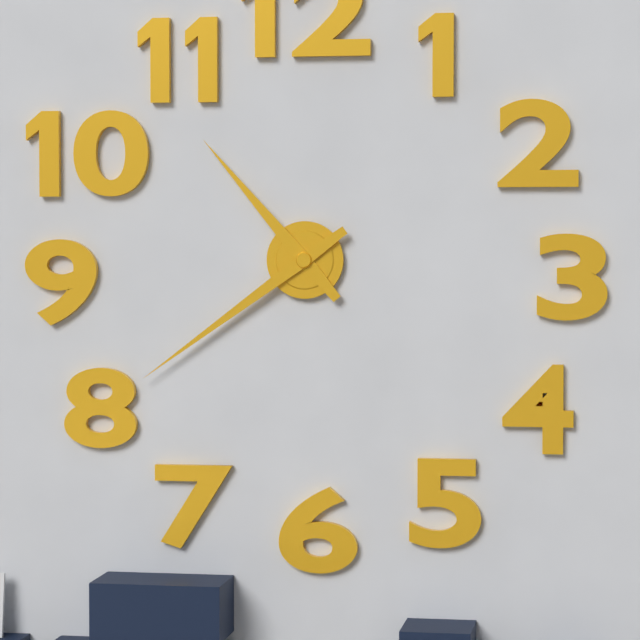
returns 10.39
